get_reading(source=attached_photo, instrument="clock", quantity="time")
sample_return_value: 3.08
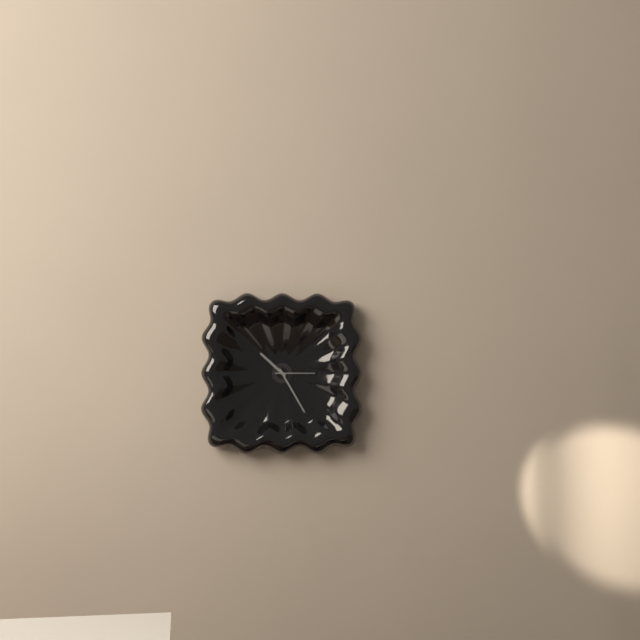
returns 10.25
